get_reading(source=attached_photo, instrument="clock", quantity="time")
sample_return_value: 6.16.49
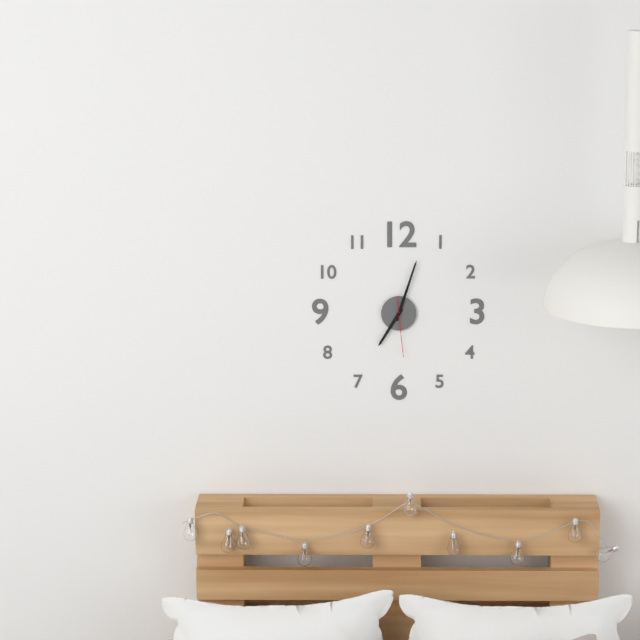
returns 7.03.29
